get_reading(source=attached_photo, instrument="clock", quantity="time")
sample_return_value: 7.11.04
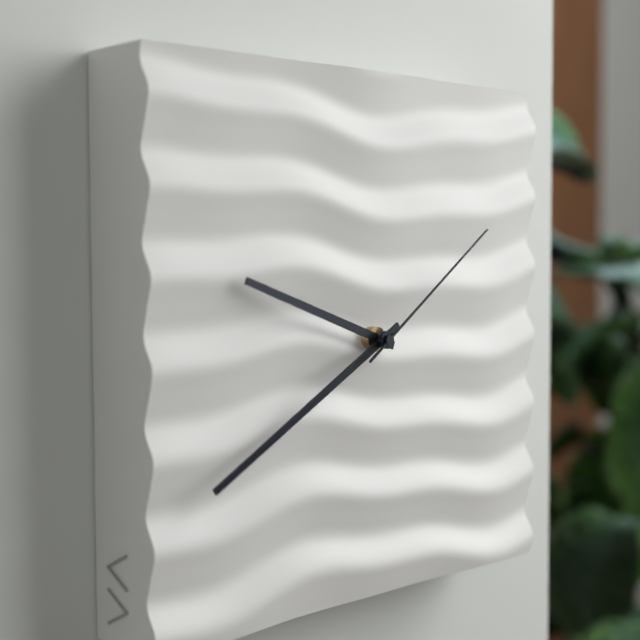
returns 9.40.09
